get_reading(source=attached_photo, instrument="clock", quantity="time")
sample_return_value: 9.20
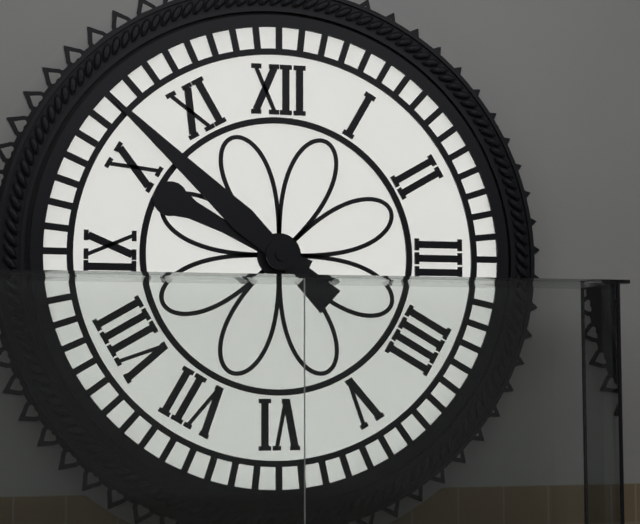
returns 9.52
